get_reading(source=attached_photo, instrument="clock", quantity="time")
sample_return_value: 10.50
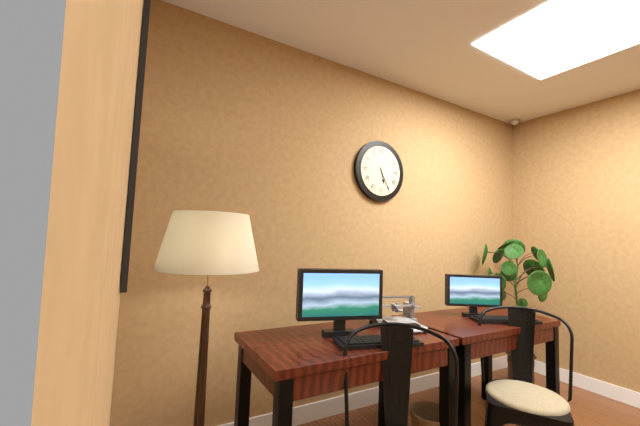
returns 5.25
